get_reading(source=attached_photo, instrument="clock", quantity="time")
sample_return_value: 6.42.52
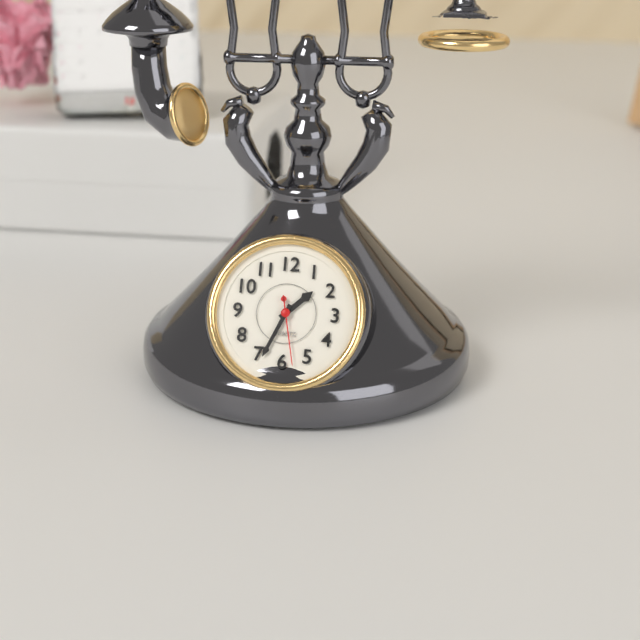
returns 1.34.28
